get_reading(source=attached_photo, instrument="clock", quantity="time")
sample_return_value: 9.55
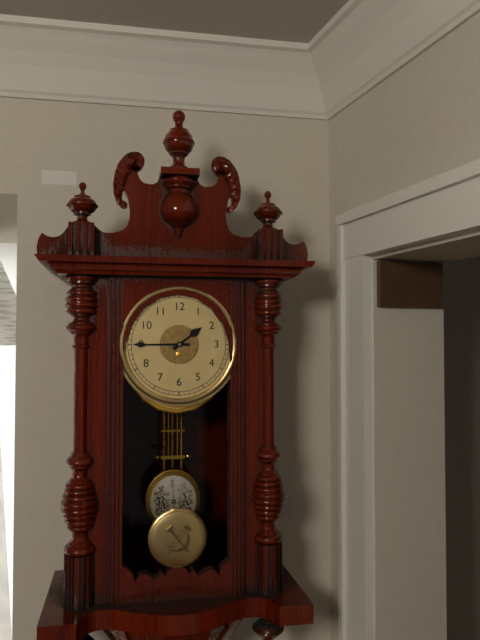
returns 1.45
